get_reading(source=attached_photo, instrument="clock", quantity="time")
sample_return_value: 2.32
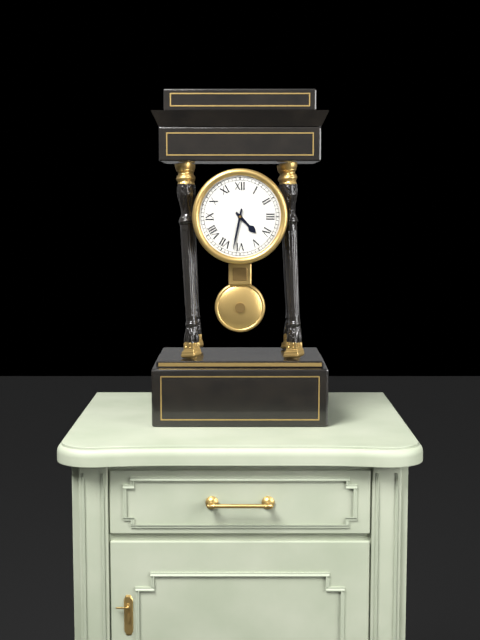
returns 4.32
